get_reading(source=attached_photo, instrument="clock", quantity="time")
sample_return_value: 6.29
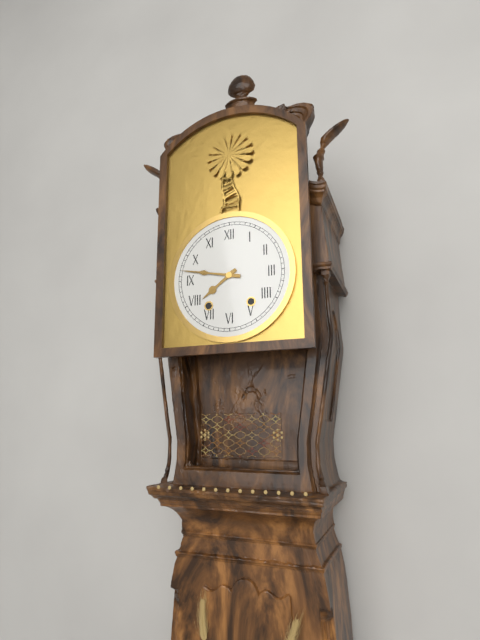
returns 7.47
